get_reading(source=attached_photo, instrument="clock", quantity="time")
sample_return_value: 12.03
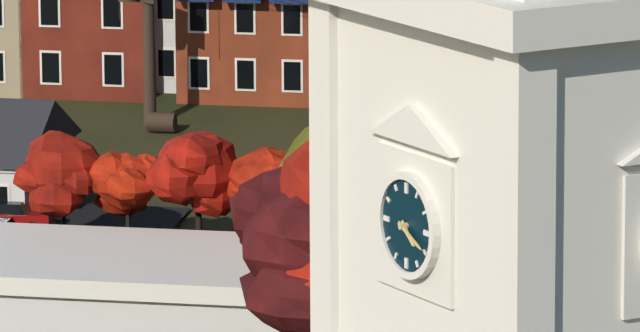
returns 4.19
